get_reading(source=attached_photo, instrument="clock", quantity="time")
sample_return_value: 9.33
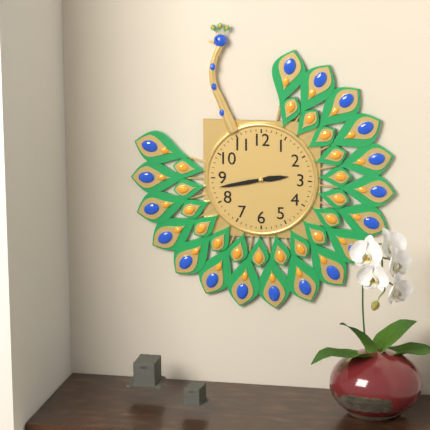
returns 2.43
